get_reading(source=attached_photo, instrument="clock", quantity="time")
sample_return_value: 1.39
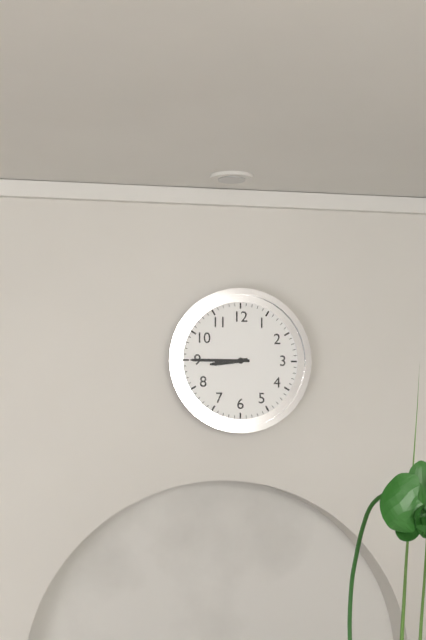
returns 8.45
